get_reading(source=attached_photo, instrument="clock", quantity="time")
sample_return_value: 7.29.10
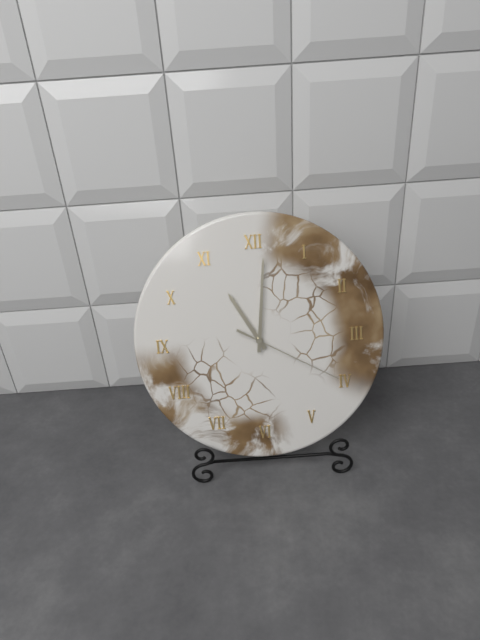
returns 11.01.20
